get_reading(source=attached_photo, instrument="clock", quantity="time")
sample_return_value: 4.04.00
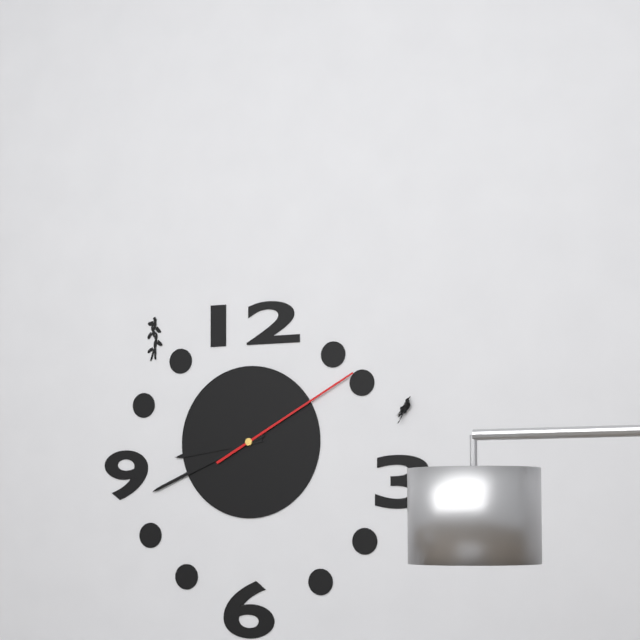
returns 8.41.10
